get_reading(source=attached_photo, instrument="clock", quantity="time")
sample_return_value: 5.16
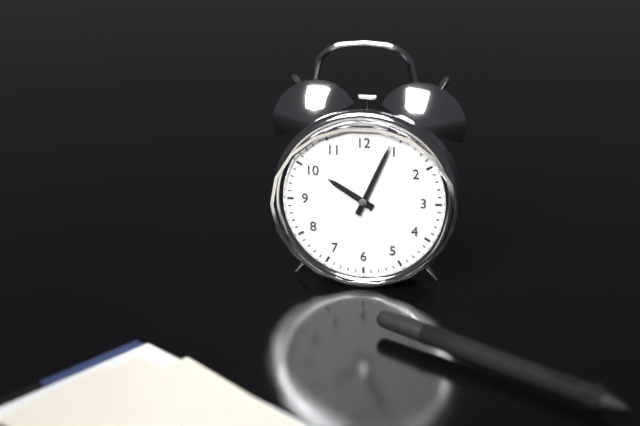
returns 10.04
